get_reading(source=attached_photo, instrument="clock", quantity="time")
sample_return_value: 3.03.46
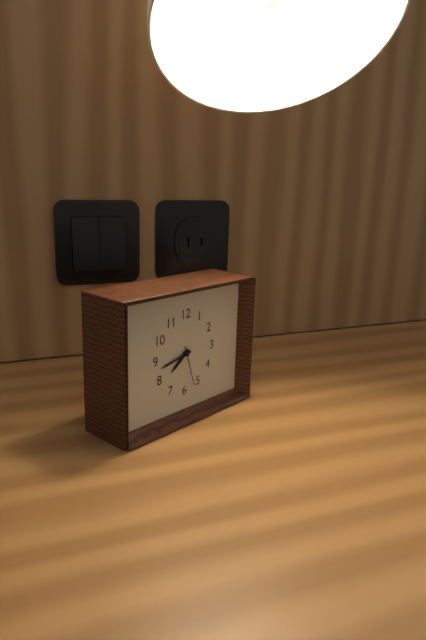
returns 7.43.27
